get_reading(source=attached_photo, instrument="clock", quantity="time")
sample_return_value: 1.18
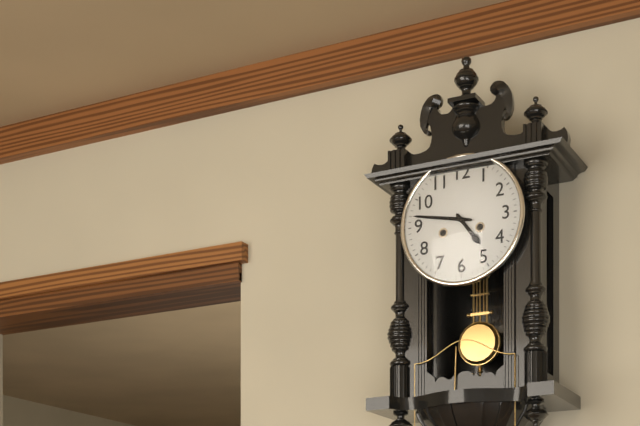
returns 4.47
